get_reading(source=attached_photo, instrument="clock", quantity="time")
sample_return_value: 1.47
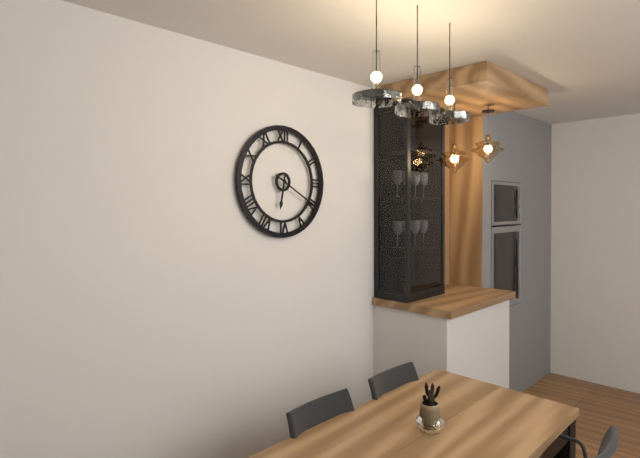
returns 6.20
